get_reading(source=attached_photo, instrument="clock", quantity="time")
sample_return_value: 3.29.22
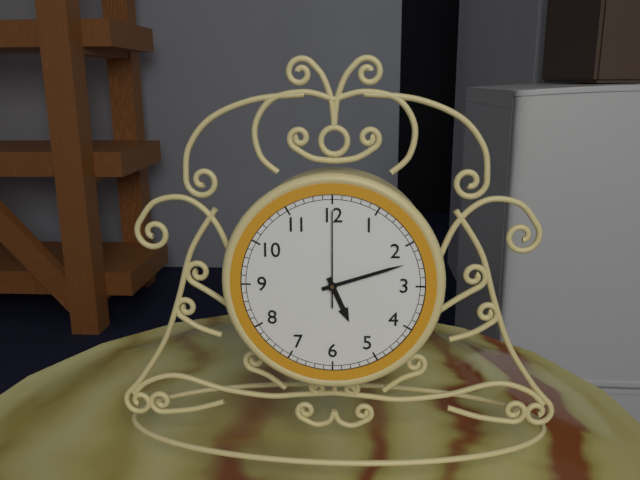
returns 5.12.00
